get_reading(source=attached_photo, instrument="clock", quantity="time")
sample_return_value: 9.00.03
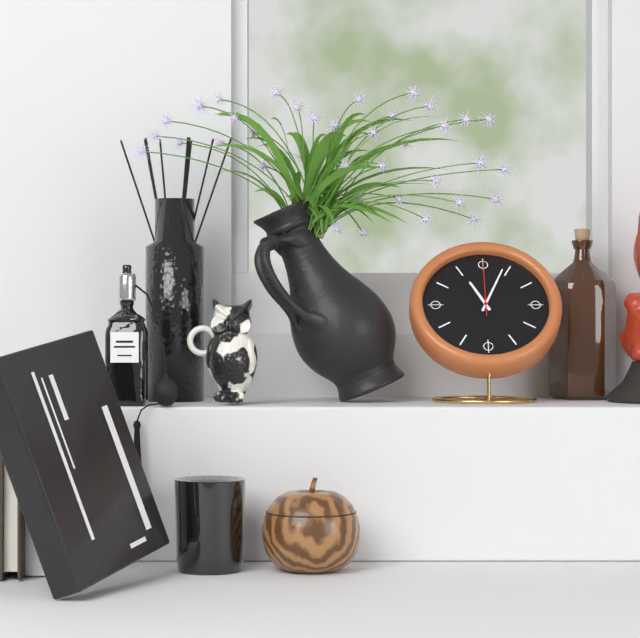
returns 11.04.00
